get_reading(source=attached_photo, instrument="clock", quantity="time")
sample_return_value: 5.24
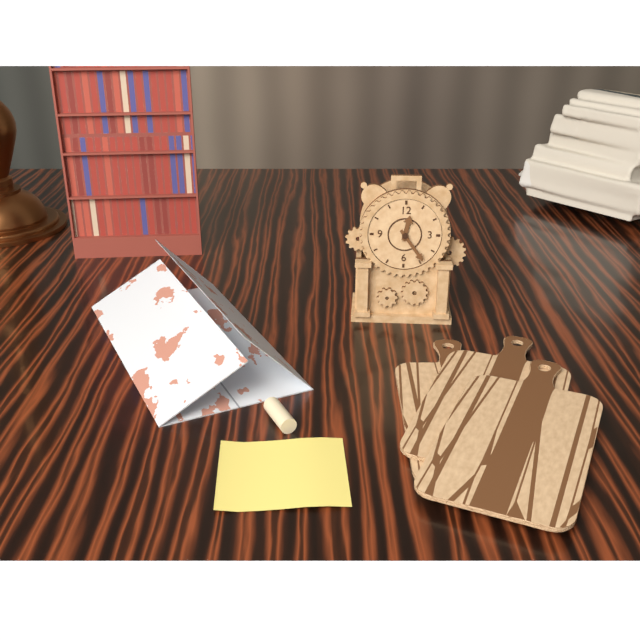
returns 12.24
